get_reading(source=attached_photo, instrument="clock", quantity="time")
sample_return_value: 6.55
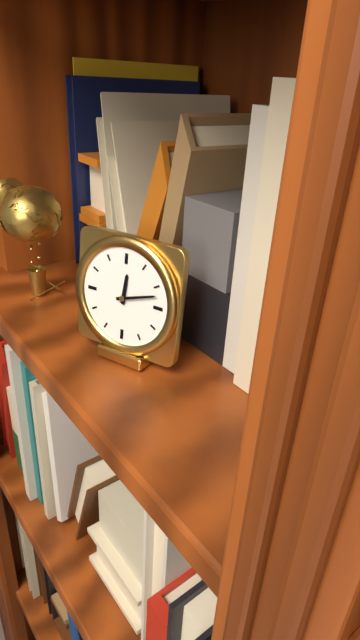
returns 12.12
